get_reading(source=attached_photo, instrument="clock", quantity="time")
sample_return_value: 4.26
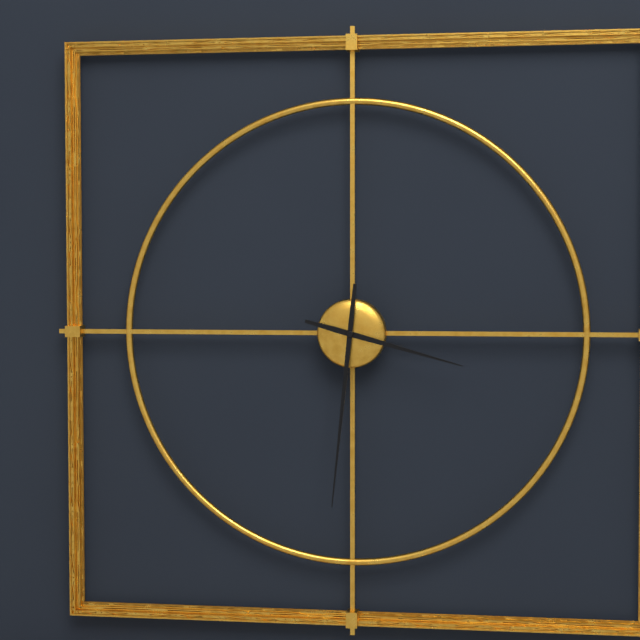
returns 3.31
